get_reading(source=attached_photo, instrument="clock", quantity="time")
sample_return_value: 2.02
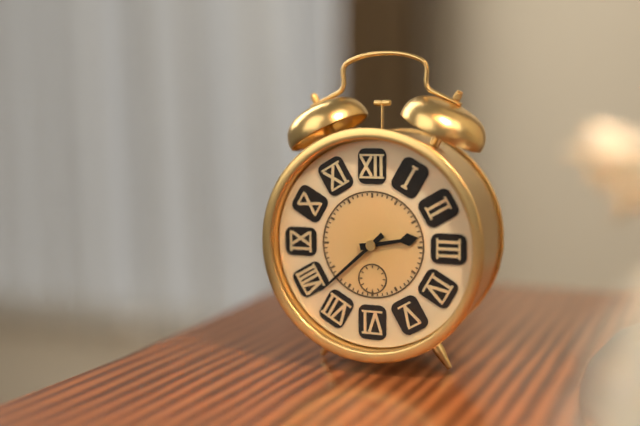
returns 2.38
